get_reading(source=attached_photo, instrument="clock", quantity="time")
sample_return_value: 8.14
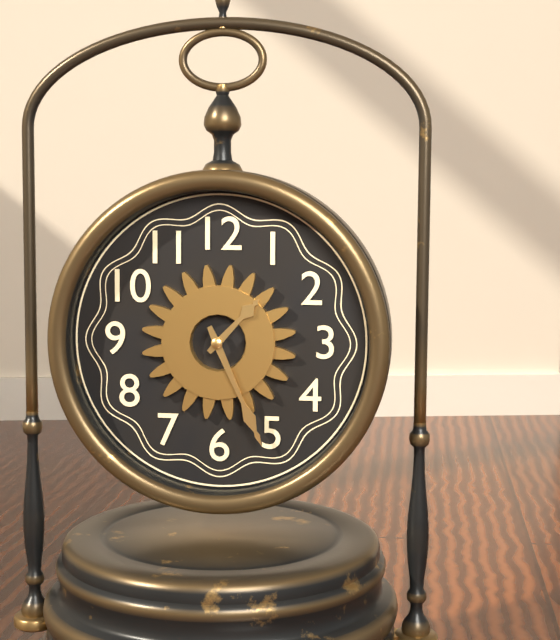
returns 1.26
